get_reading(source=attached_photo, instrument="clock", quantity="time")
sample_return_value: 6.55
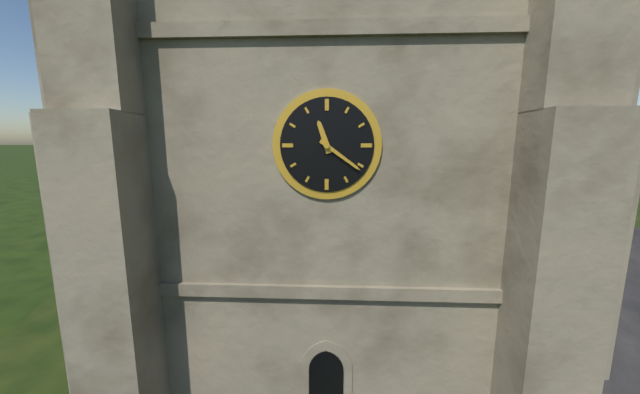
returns 11.21
